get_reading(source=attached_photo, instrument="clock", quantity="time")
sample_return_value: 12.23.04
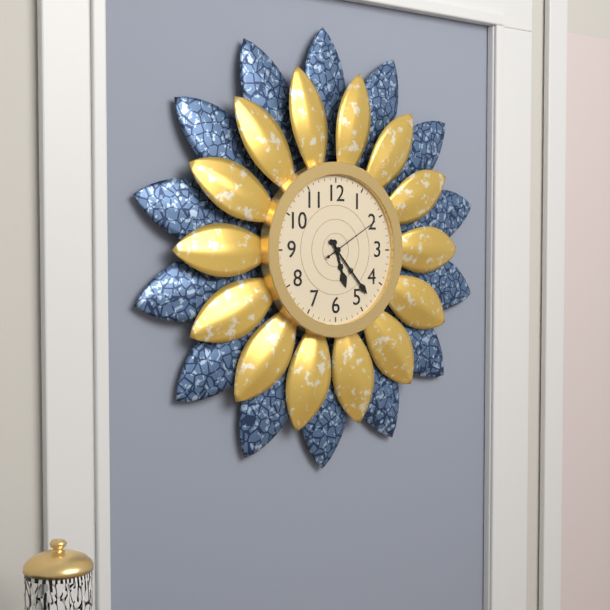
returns 5.23.10
